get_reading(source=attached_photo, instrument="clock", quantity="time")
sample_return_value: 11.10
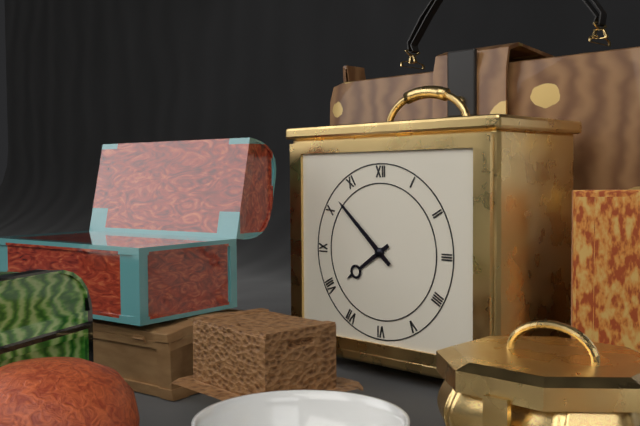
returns 7.52
